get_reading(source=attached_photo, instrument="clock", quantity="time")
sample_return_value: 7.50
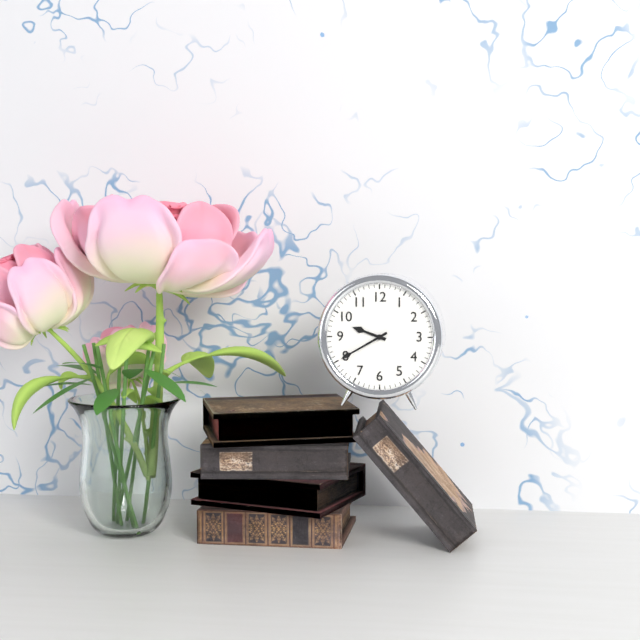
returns 9.40
